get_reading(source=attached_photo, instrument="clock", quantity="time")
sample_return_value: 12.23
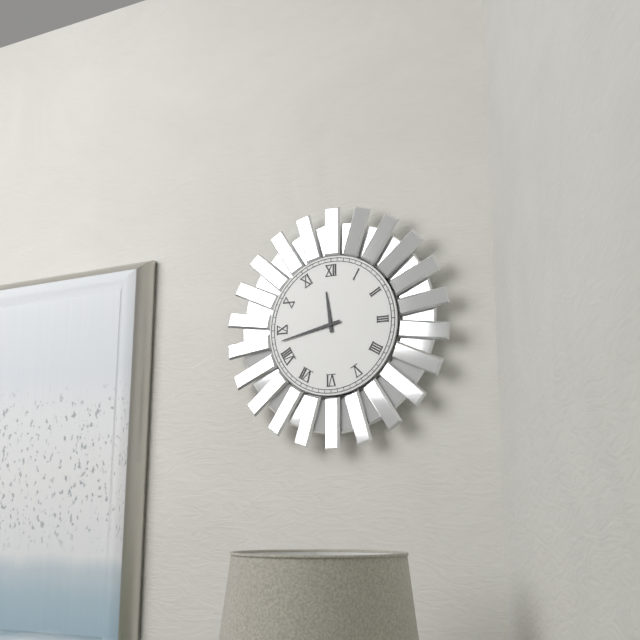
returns 11.43
